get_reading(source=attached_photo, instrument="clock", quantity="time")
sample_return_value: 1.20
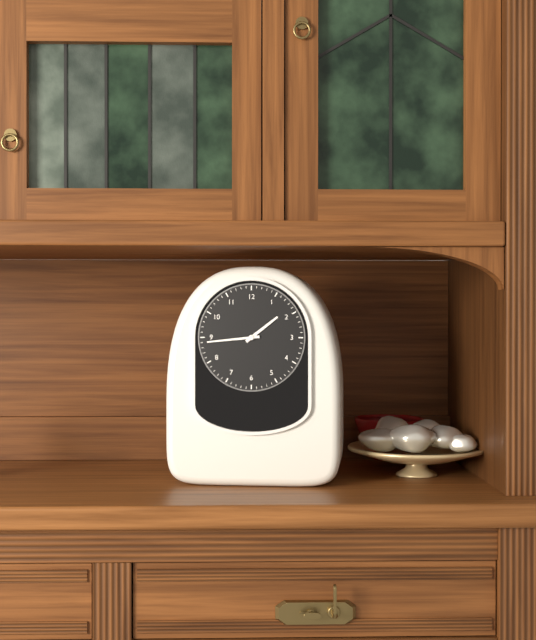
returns 1.44
